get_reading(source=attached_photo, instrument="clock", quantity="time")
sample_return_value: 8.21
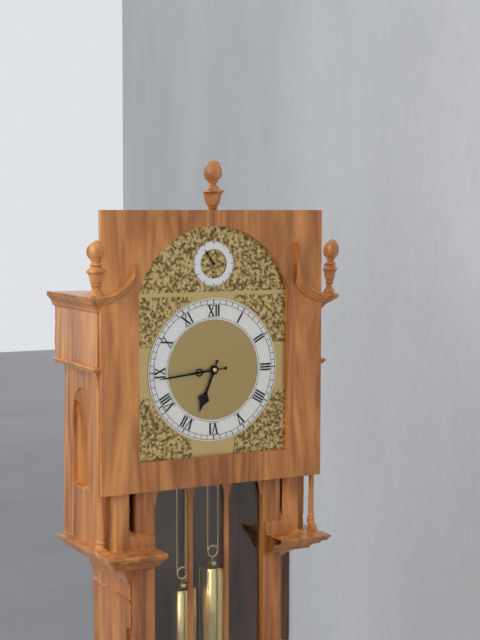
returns 6.44
